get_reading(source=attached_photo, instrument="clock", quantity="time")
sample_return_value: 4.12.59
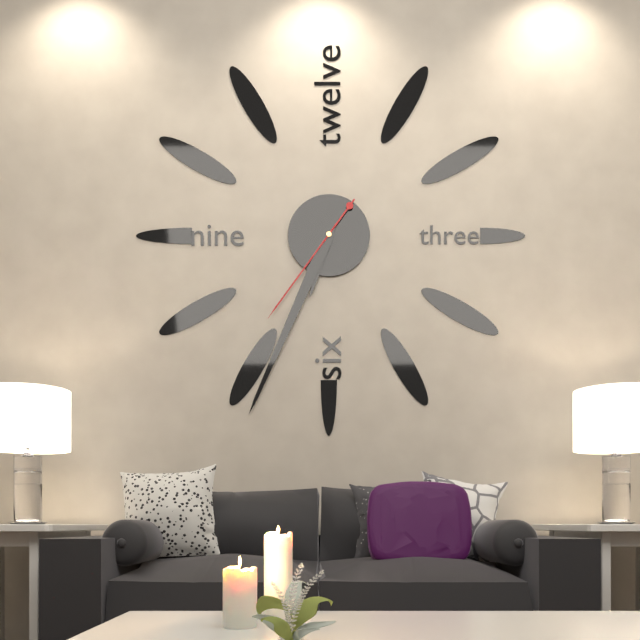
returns 6.34.36
